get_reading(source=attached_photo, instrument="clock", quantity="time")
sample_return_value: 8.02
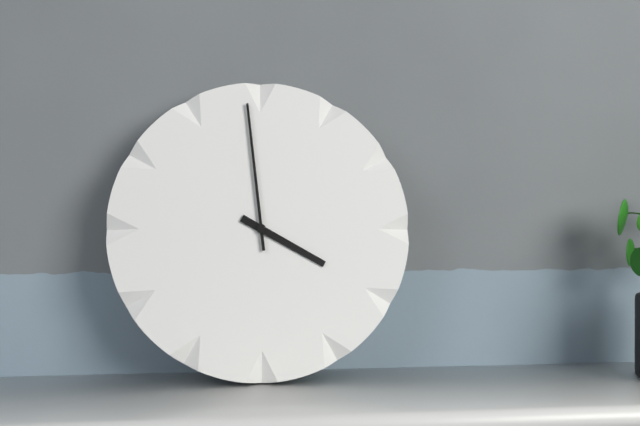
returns 3.59
